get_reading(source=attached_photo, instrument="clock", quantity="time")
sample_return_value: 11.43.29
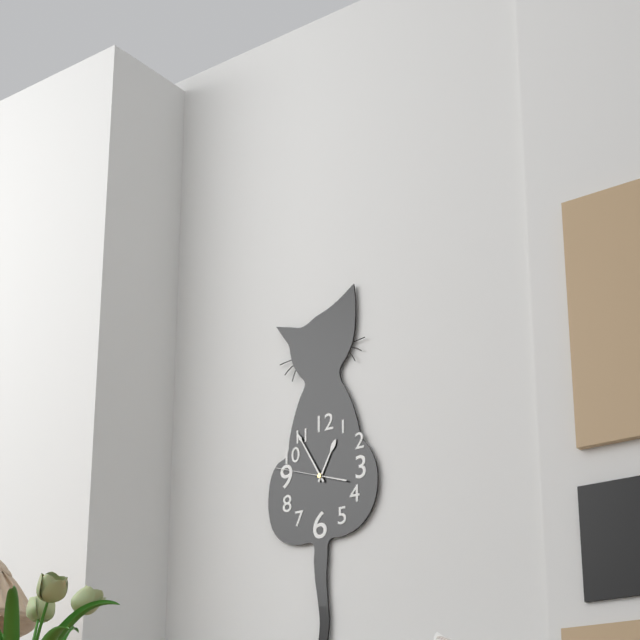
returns 12.55.48
